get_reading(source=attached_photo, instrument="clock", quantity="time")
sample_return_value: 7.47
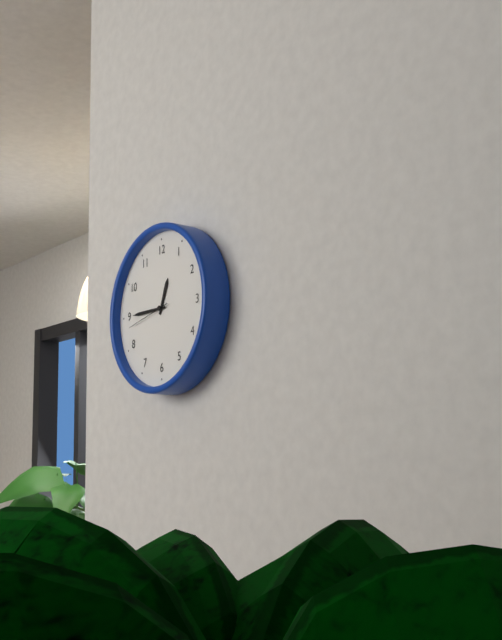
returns 12.45
